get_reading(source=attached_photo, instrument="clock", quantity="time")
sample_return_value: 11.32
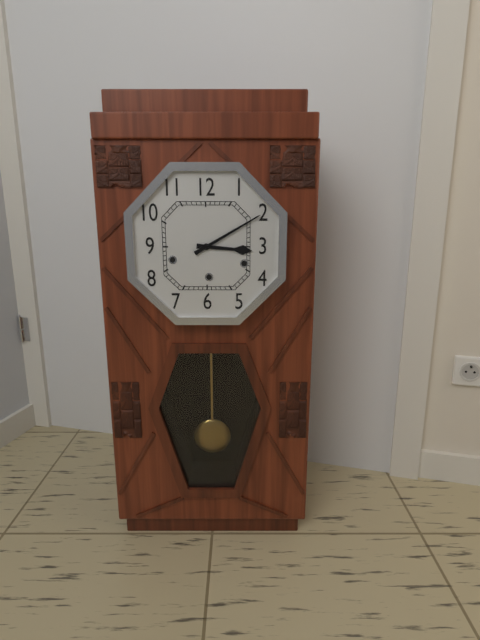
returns 3.10
